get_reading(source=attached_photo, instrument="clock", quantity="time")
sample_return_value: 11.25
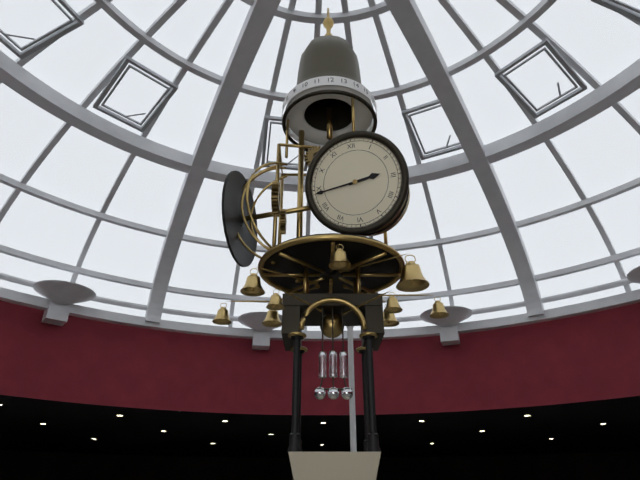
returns 2.44
